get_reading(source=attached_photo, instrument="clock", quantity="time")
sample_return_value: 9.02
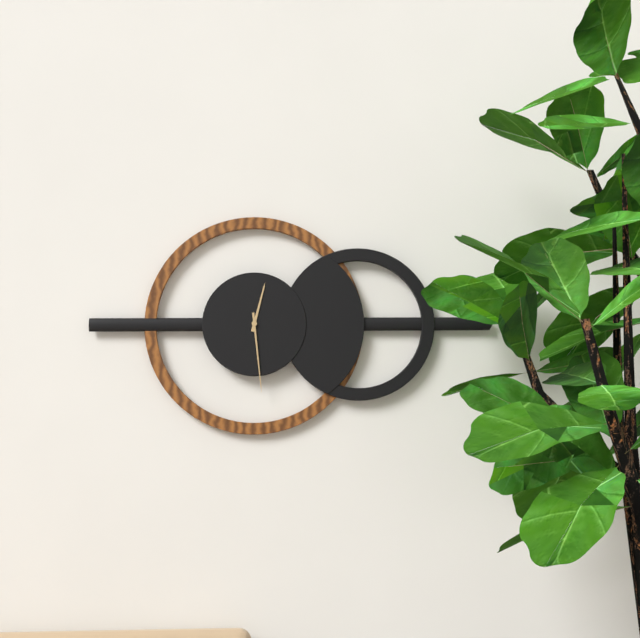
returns 12.29
